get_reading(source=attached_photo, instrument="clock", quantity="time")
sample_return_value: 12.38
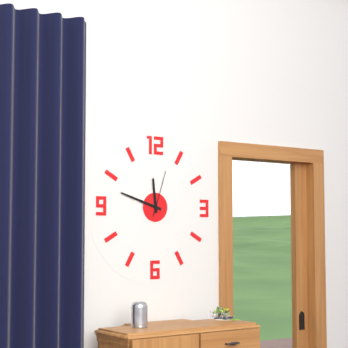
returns 11.48
